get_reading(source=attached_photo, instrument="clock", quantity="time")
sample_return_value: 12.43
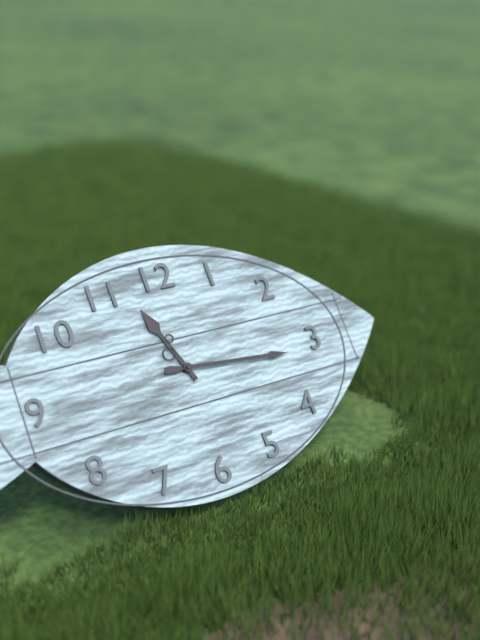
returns 11.16
